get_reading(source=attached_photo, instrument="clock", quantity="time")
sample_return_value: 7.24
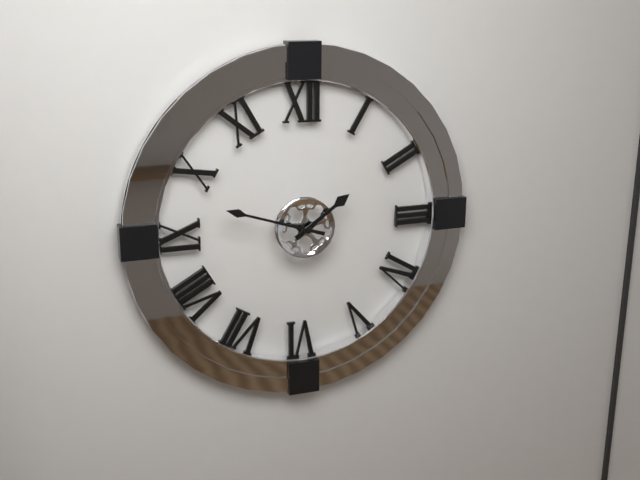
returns 1.48
